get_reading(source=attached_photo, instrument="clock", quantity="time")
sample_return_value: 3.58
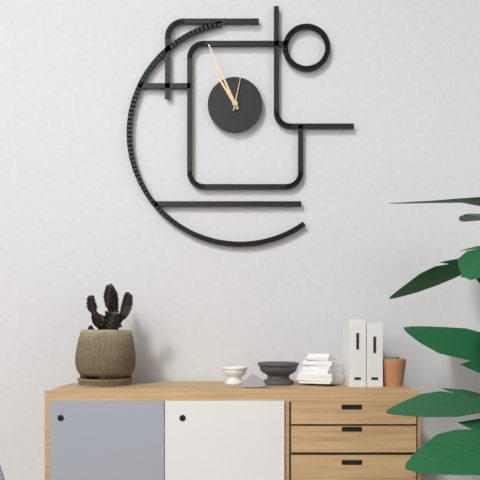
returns 10.56
